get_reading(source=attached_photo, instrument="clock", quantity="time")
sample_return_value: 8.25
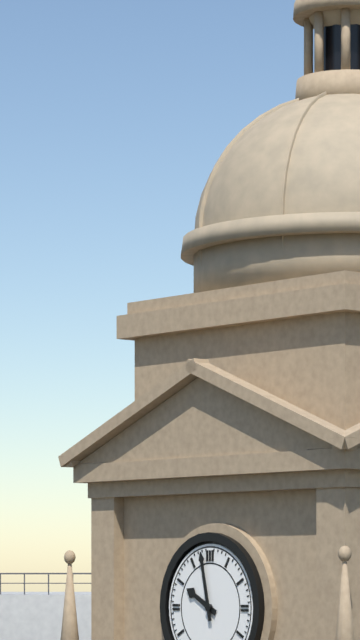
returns 9.58
